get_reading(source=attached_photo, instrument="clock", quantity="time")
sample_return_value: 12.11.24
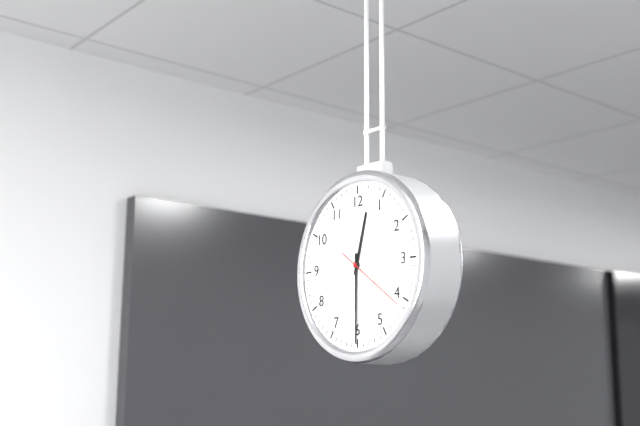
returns 12.30.21
